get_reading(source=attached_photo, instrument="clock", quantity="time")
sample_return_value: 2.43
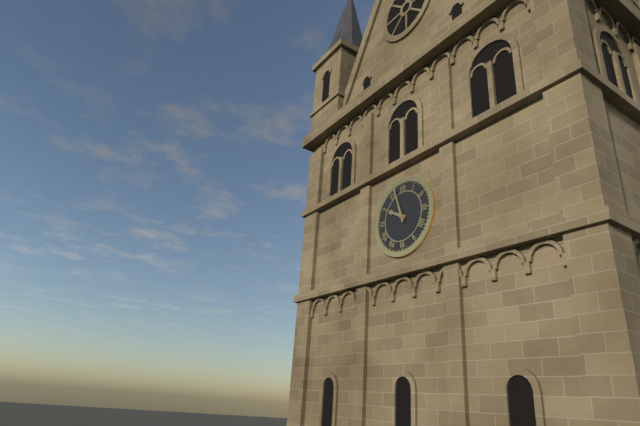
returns 9.57
